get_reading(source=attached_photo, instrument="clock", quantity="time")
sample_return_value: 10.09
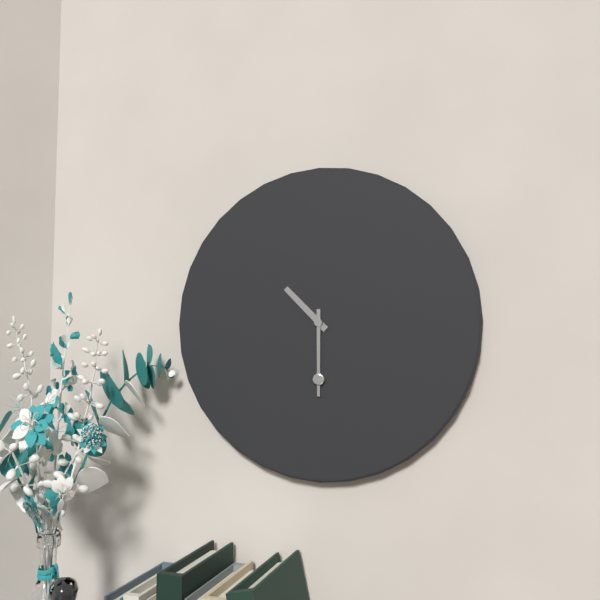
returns 10.30
